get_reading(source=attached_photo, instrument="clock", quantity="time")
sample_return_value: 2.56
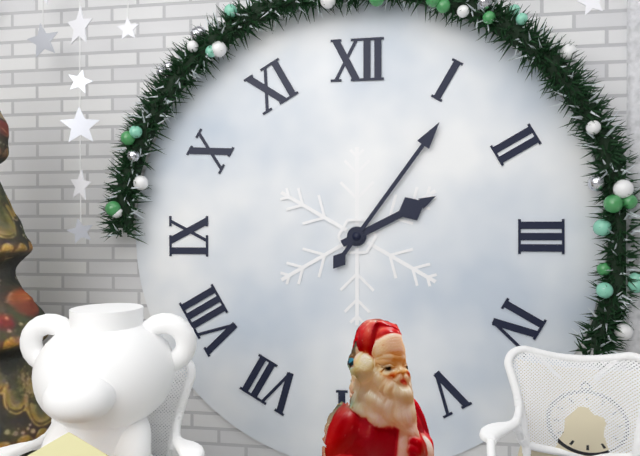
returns 2.06
